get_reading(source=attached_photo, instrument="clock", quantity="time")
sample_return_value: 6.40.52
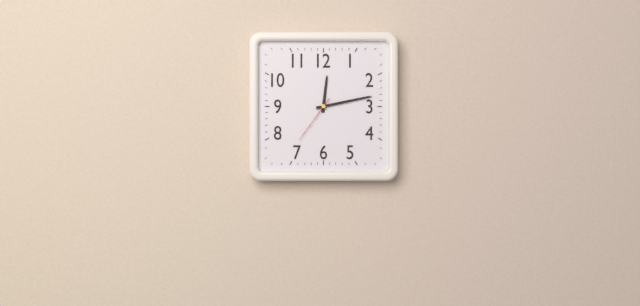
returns 12.13.36
